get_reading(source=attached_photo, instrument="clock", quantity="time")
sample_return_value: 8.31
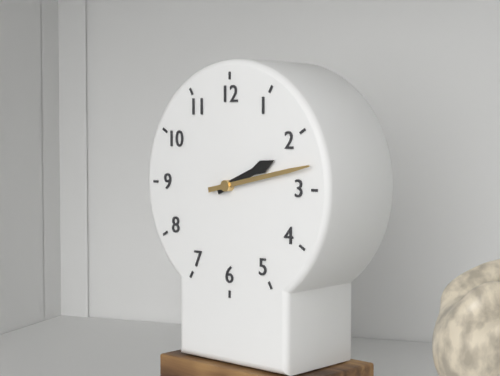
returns 2.13
